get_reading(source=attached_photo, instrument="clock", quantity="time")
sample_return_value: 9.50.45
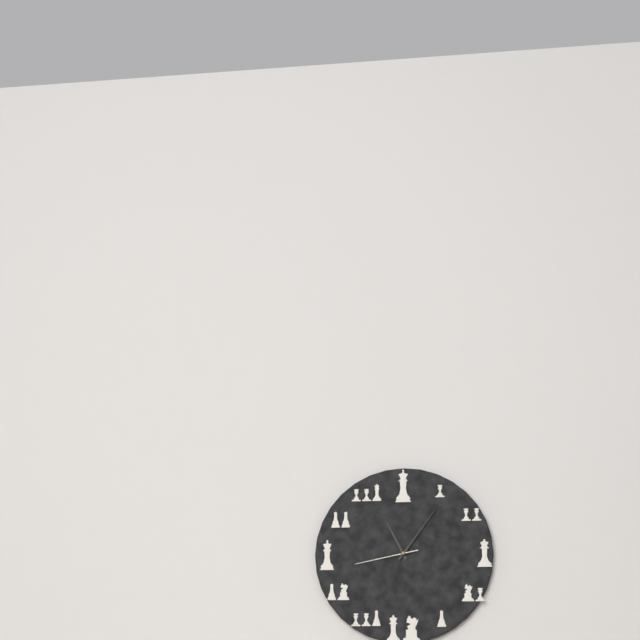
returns 11.06.43
